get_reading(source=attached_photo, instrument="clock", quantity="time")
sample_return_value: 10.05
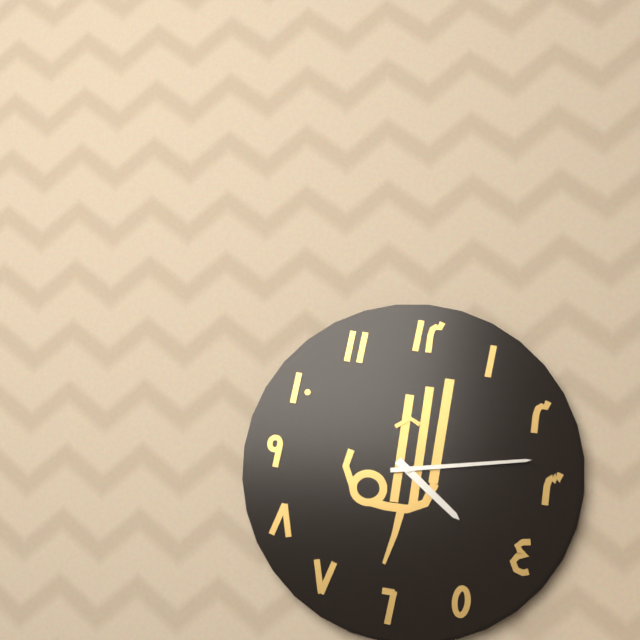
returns 4.13
